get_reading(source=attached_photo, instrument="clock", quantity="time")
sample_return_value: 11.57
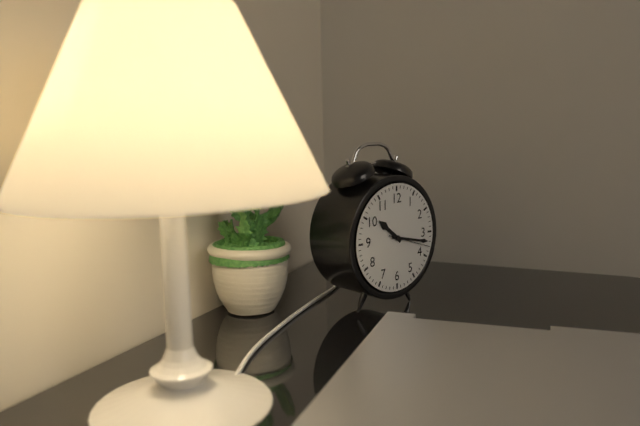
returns 10.17
